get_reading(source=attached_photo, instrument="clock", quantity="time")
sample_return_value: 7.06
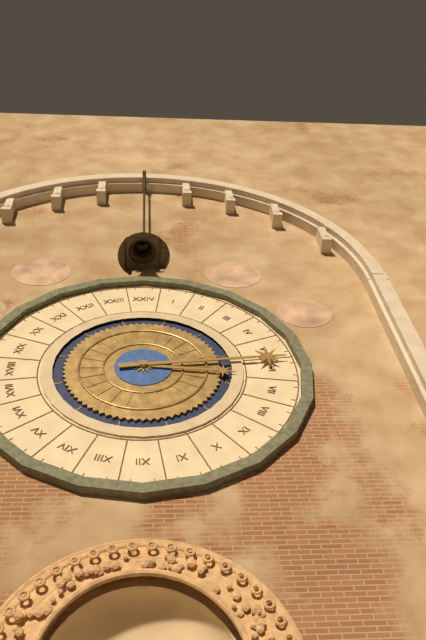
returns 3.14
